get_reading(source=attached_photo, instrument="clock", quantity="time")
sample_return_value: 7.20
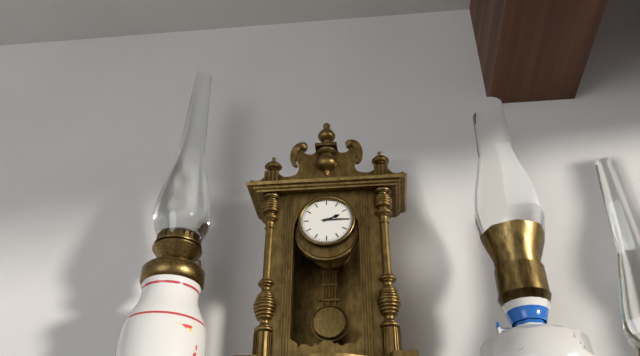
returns 2.15
